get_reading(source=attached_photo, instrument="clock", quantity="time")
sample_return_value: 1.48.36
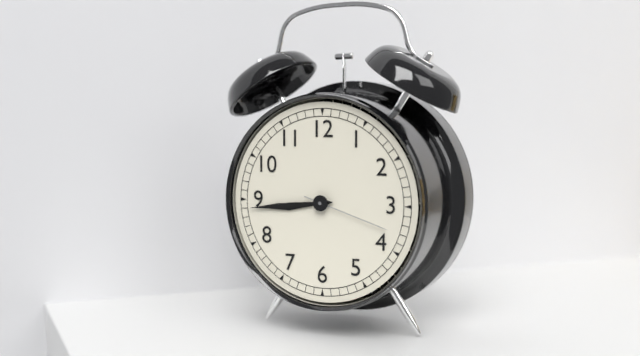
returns 8.44.18
